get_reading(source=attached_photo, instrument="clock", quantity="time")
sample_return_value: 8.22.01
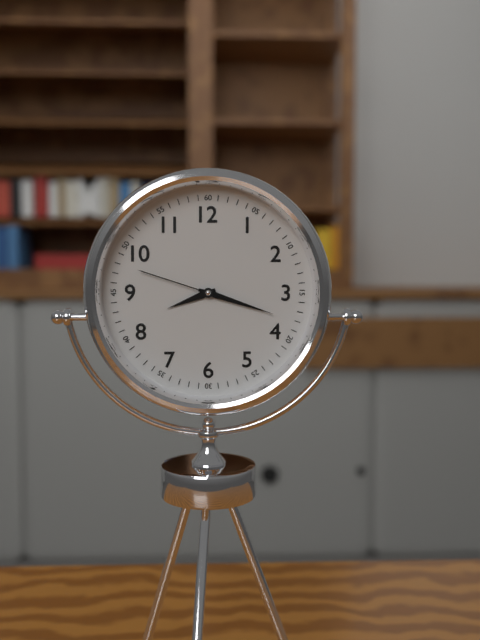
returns 8.18.48
